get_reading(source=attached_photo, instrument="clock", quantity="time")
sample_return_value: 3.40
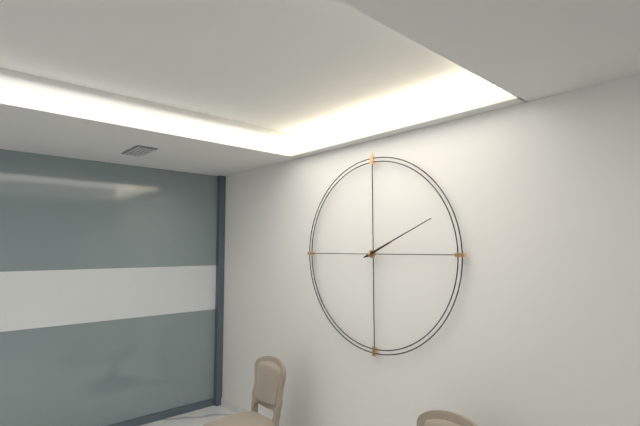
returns 2.11
